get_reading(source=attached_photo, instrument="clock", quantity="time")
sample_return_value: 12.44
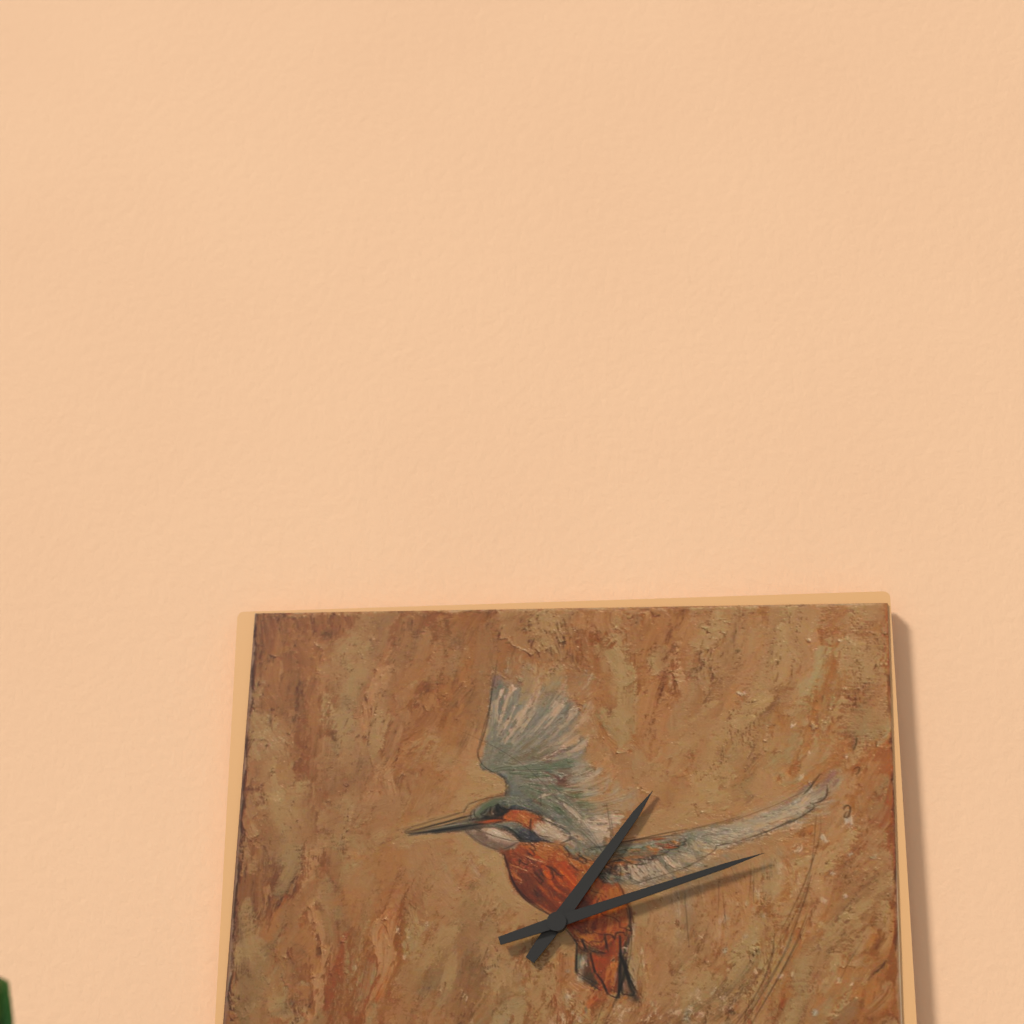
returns 1.12
